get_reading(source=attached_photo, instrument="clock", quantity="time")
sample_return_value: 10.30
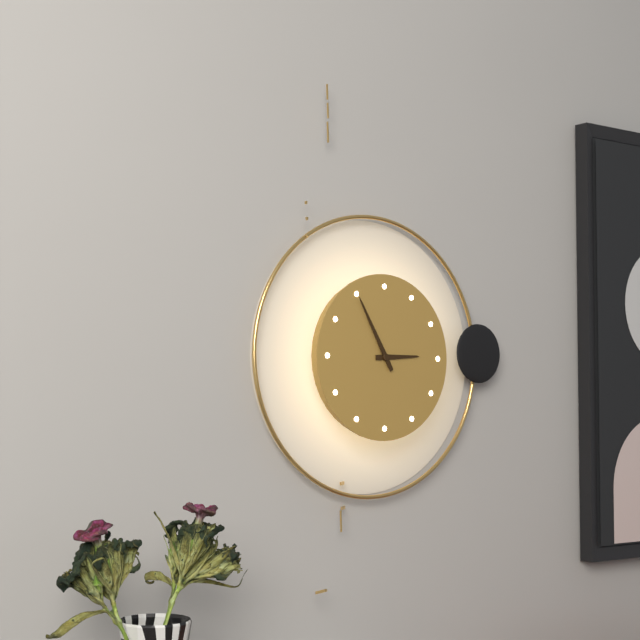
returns 2.55
